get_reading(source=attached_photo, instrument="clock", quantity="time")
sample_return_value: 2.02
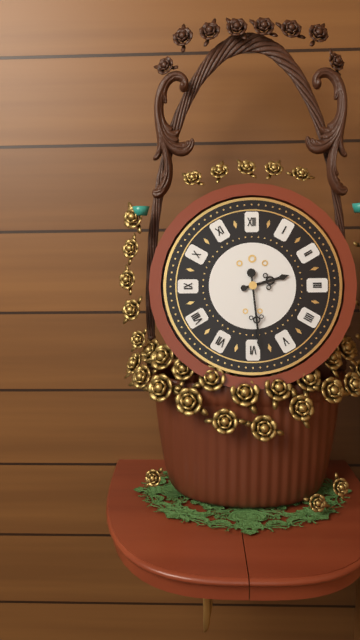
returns 2.29
